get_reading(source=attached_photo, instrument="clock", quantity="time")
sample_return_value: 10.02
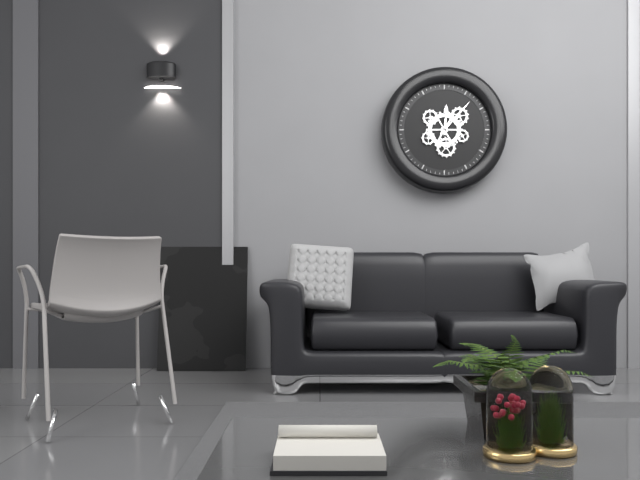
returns 12.07
